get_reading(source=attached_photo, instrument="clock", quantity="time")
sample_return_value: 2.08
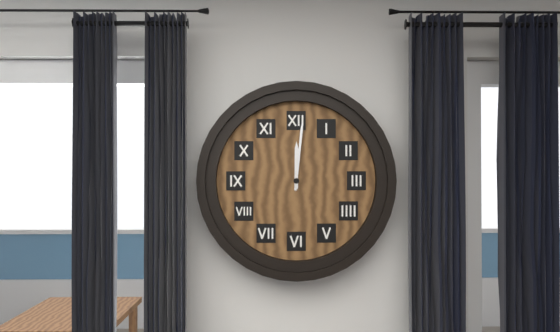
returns 12.01
